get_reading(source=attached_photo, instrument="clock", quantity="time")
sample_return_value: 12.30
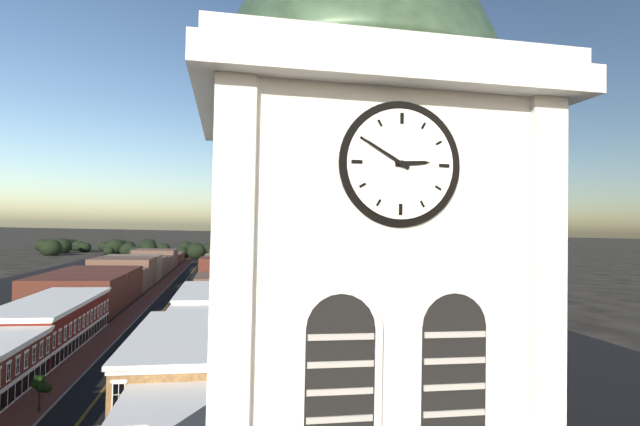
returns 2.50
